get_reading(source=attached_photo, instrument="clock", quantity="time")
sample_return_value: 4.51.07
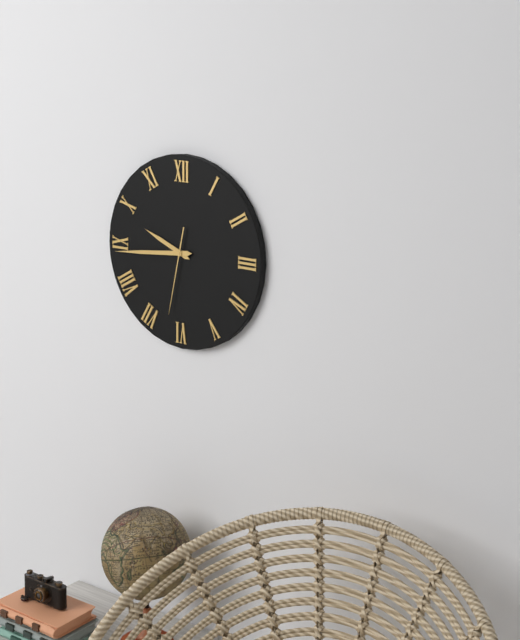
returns 9.44.32
